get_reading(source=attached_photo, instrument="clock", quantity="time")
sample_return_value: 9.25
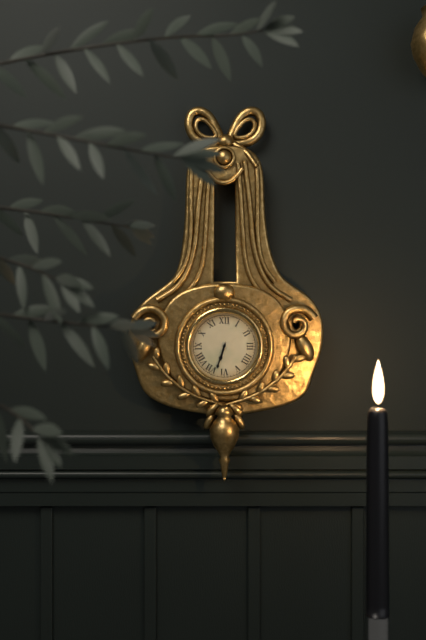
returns 6.33
